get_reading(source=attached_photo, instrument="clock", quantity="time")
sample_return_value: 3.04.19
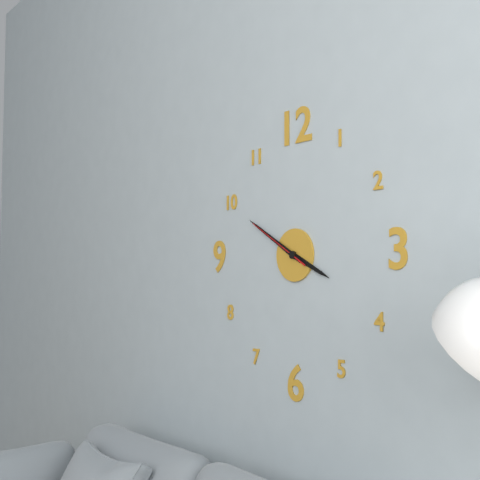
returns 3.50.50
